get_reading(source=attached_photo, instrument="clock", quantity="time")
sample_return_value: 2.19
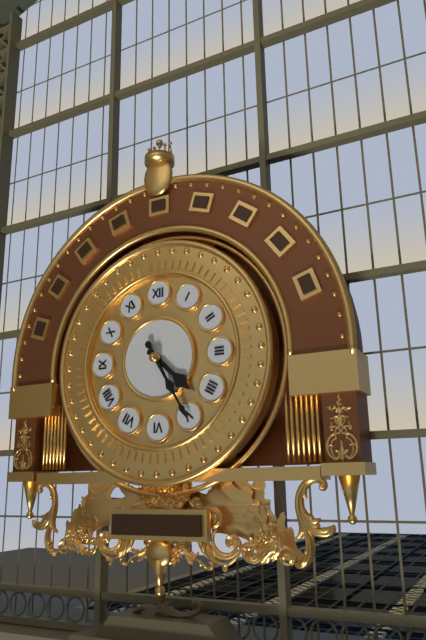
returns 4.25
